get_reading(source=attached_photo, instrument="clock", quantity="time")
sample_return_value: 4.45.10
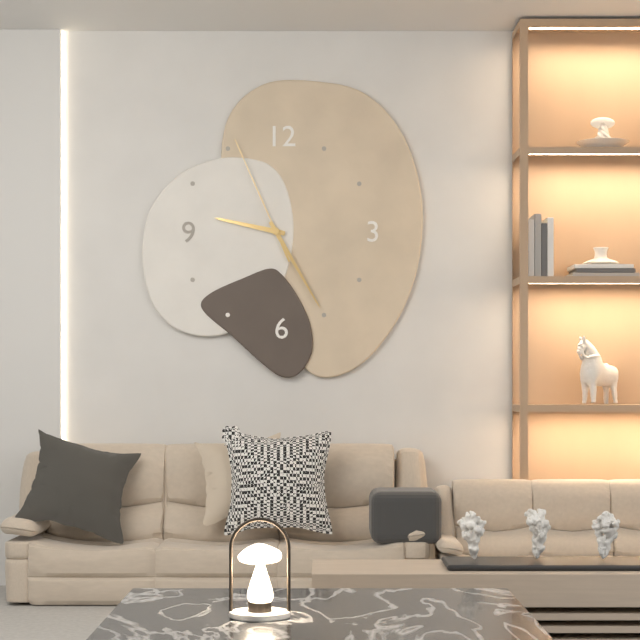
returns 9.25.56
